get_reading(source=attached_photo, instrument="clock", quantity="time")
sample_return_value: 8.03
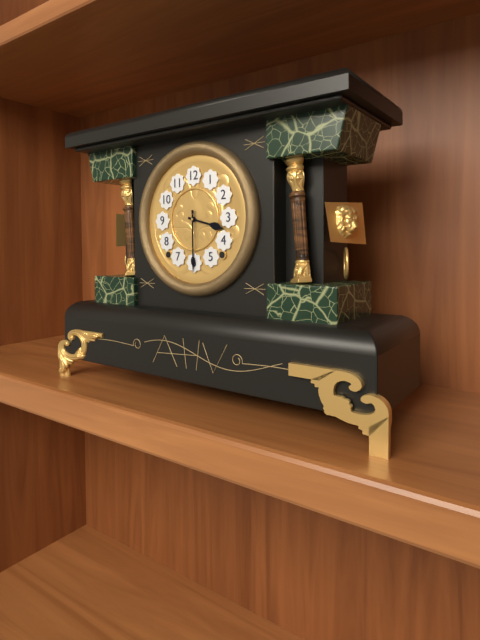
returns 3.30
